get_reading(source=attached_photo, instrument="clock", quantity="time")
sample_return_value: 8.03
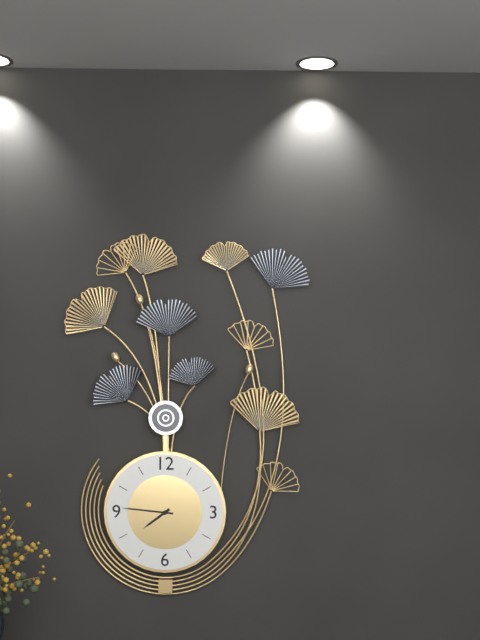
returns 7.46
